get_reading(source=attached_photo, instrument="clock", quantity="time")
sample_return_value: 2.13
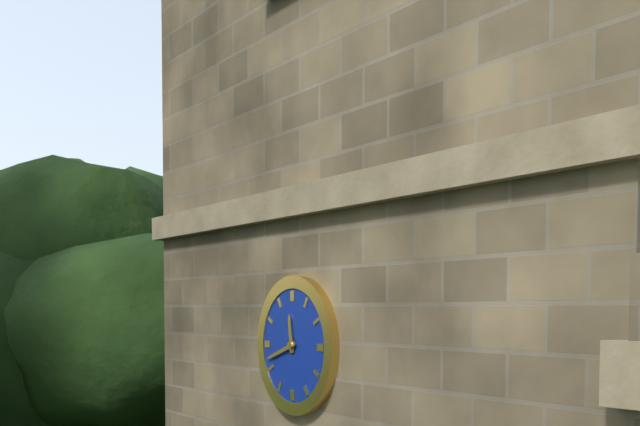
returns 11.42
